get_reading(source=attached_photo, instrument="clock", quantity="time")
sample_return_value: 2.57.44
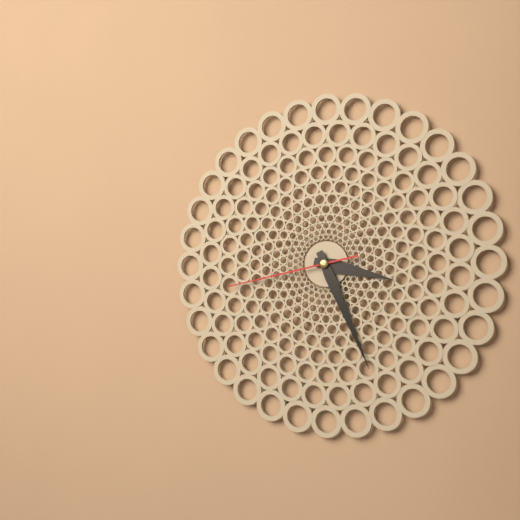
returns 3.26.43
